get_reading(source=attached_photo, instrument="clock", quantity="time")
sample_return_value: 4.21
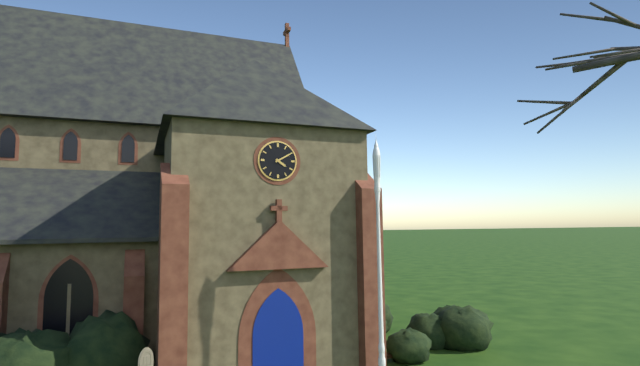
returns 4.10
